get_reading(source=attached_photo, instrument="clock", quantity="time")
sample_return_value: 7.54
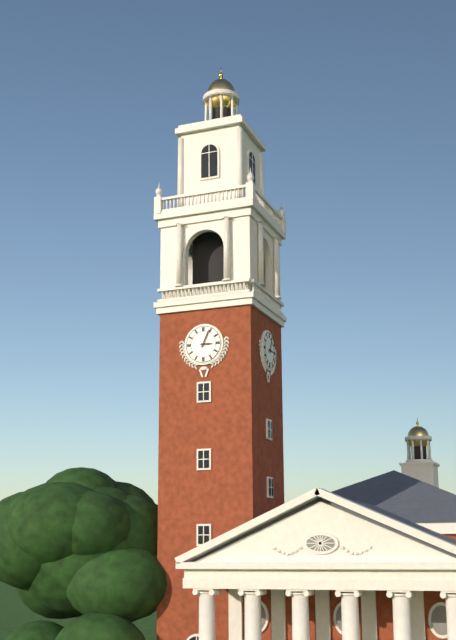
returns 3.04
